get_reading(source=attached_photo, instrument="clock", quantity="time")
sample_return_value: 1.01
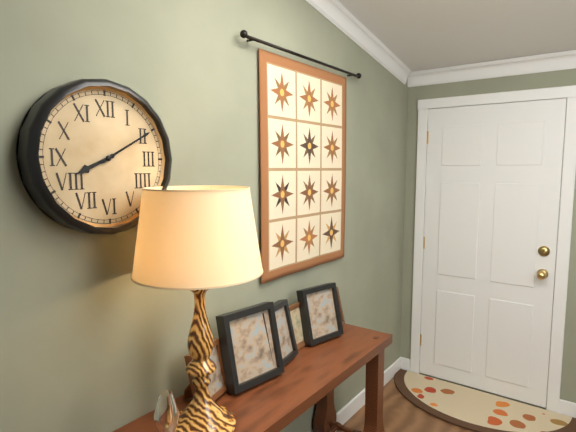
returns 8.10
